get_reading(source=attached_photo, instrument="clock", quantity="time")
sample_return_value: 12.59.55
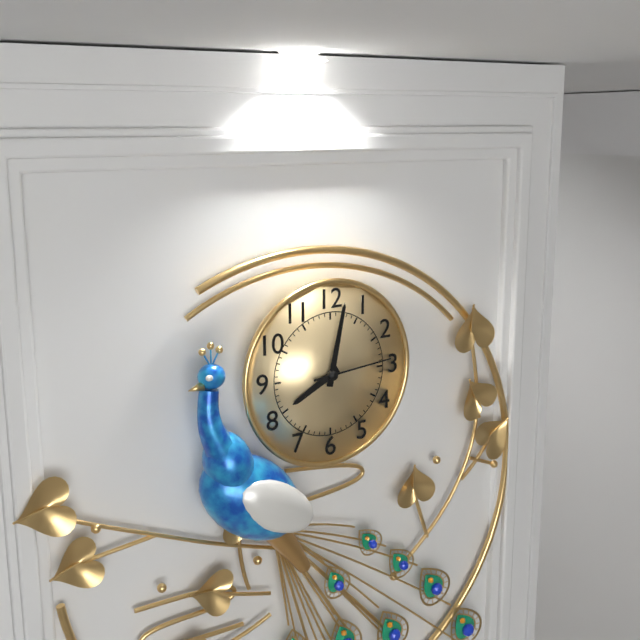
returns 8.02.14
